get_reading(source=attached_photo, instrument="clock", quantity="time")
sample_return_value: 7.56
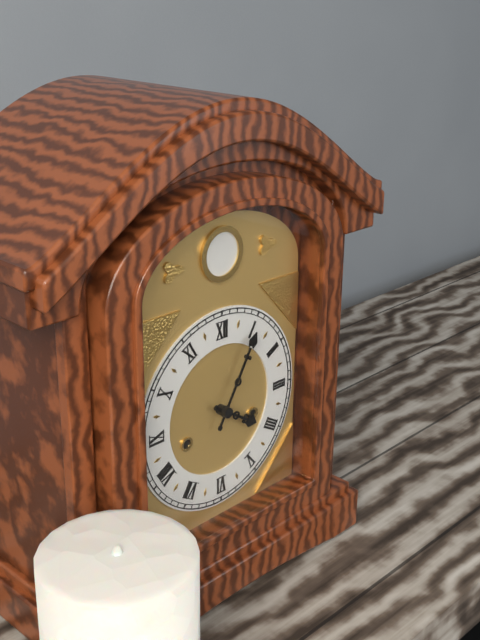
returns 4.05
